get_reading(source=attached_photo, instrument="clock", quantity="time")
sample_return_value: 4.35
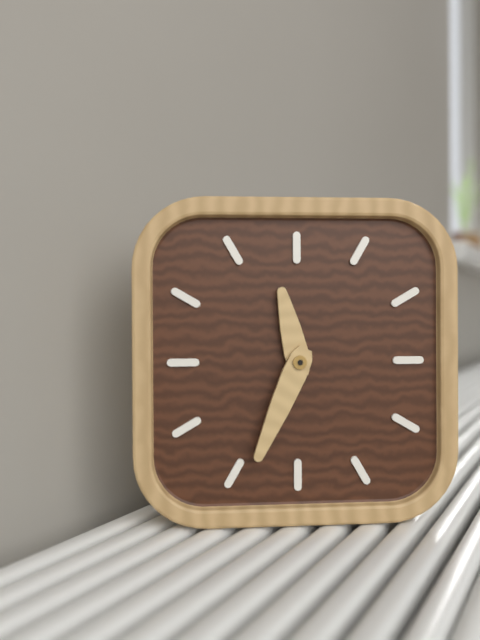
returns 11.34
